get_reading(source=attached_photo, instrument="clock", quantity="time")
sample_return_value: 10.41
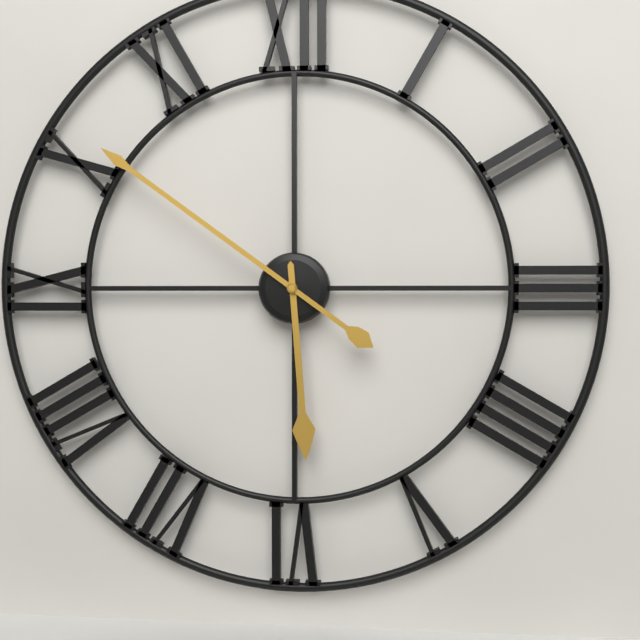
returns 5.51
